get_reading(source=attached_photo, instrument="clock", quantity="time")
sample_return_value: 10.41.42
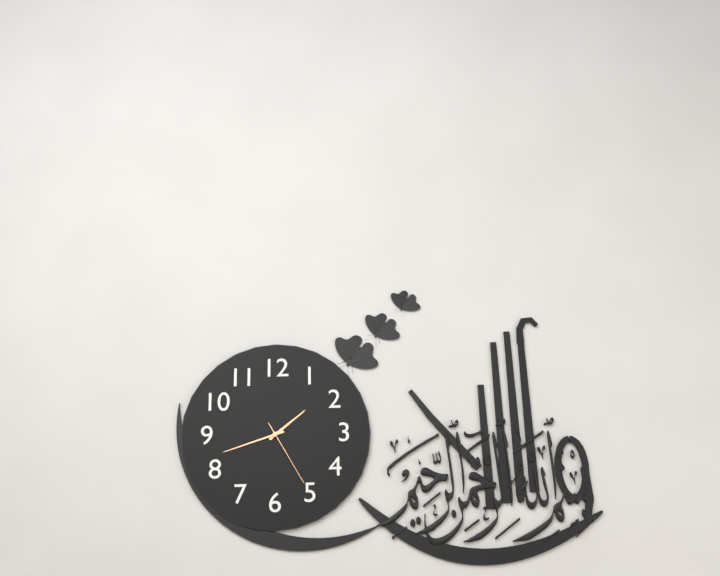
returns 1.42.25
